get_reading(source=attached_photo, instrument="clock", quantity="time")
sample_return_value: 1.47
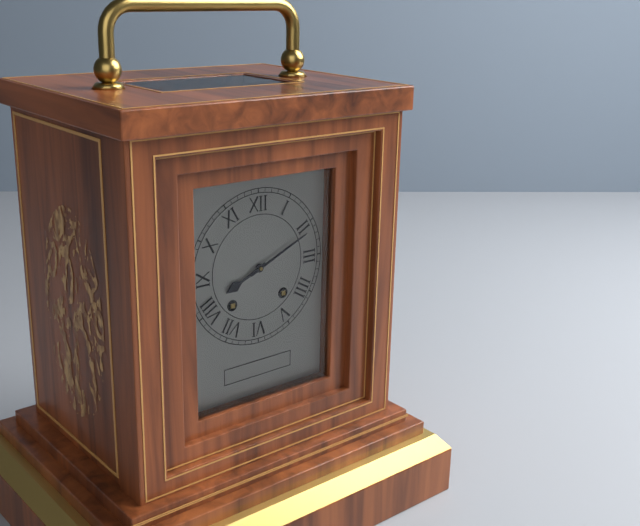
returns 8.11
